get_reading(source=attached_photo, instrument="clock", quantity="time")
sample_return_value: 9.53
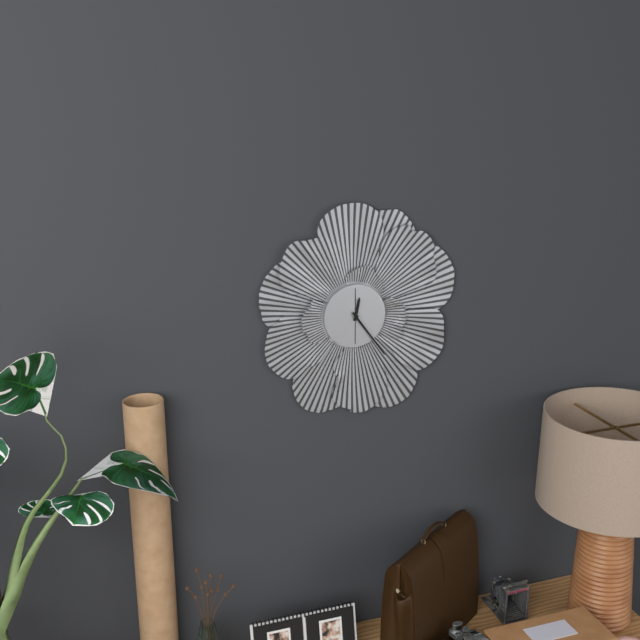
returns 12.24
